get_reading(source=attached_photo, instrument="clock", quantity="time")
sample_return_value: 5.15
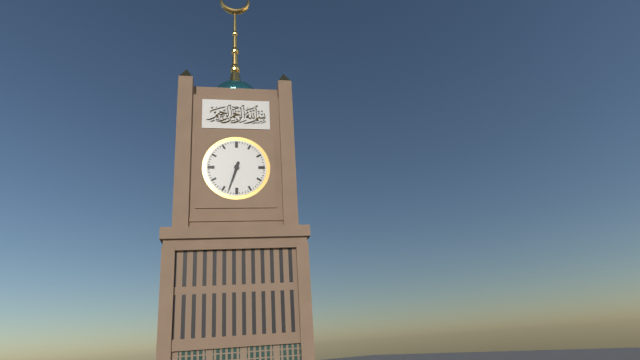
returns 6.33
